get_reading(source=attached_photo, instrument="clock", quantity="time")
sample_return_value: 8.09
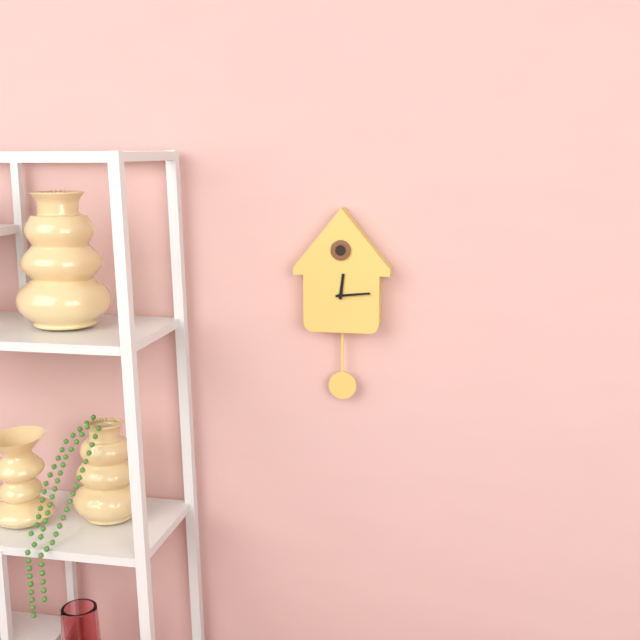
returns 12.14
